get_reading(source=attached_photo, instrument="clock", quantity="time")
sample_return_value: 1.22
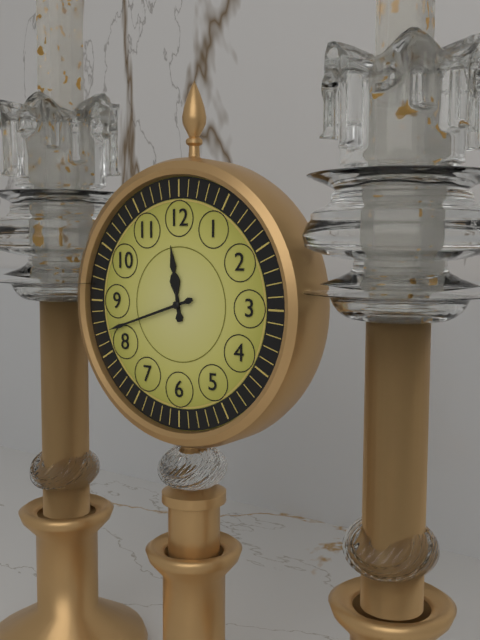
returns 11.42
